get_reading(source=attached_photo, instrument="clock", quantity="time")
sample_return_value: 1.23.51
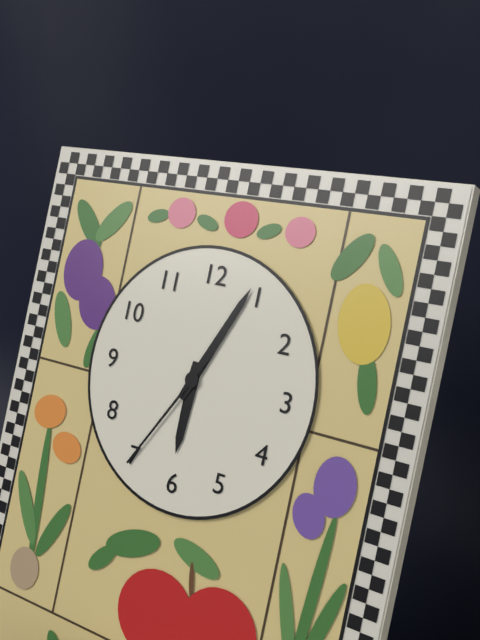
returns 6.04.35
